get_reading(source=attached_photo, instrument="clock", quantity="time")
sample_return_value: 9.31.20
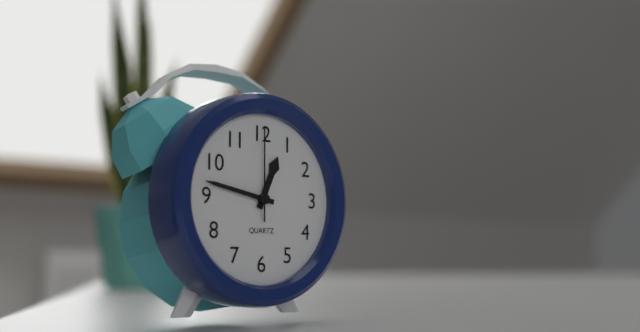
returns 12.47.00
